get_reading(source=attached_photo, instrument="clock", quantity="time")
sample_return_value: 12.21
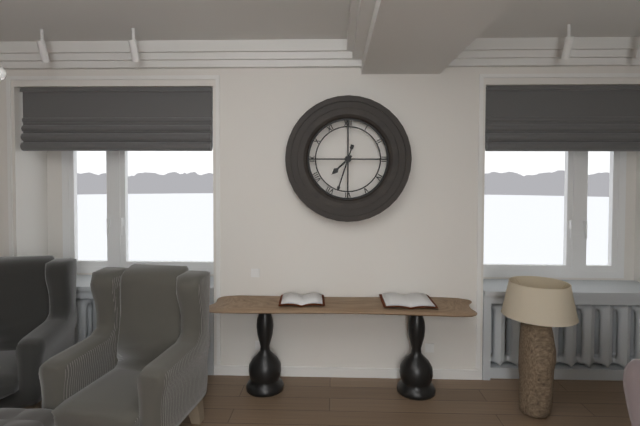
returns 7.33
